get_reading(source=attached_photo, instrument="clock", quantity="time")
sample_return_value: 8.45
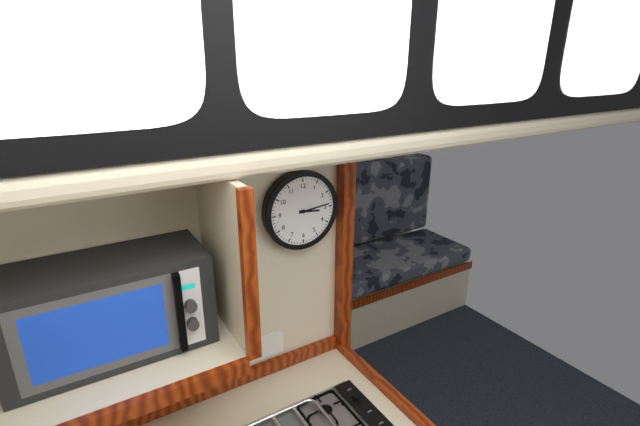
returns 3.14
